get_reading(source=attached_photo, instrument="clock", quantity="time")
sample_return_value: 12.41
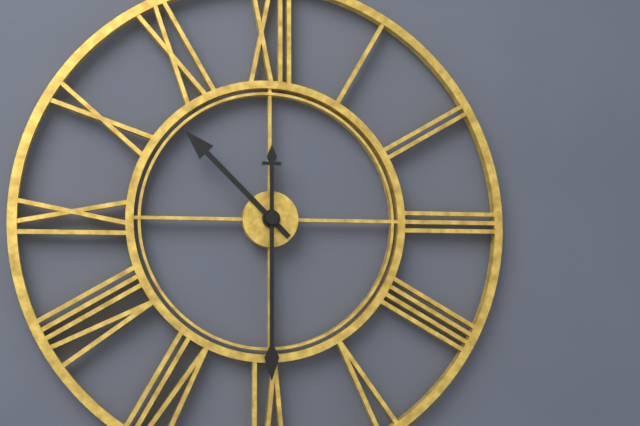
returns 10.30
